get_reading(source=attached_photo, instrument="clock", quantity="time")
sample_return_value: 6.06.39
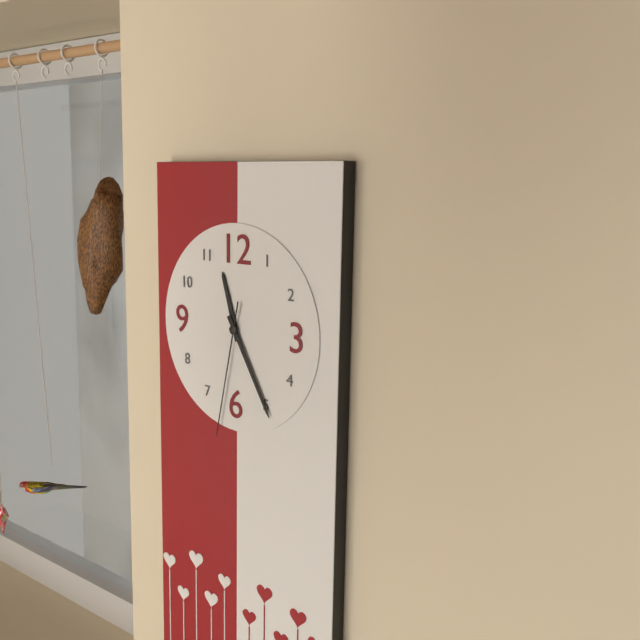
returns 11.25.32
